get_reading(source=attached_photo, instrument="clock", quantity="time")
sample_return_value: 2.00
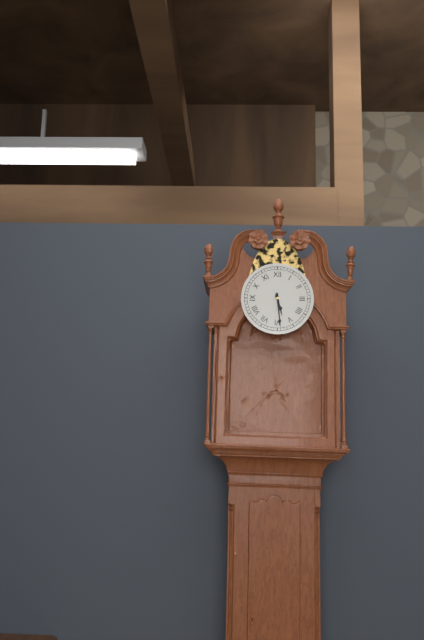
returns 5.29
